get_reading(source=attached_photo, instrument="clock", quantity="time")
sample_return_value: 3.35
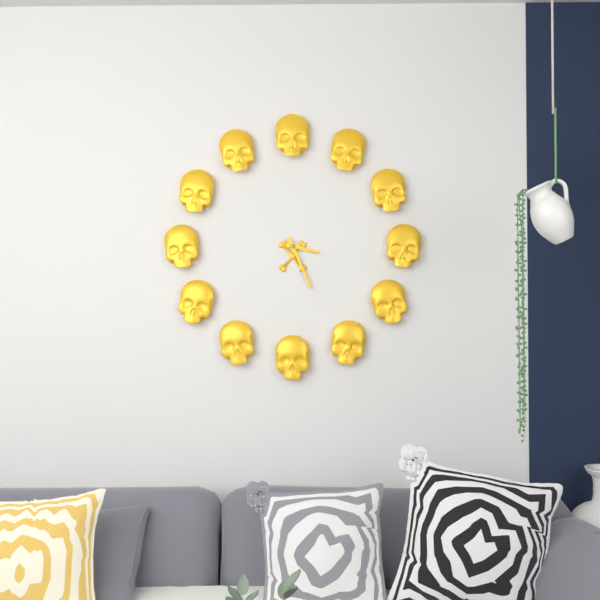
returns 3.26
